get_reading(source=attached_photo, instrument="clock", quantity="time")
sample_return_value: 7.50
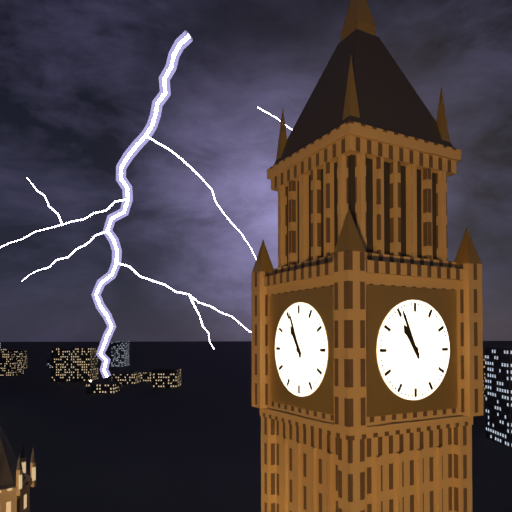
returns 10.56
